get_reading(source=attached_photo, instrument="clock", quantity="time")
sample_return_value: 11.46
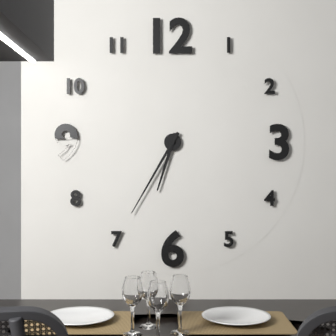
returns 6.35
